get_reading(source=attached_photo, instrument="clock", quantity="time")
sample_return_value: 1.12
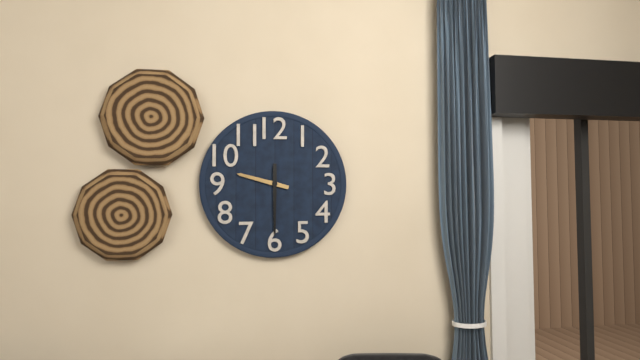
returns 9.30
